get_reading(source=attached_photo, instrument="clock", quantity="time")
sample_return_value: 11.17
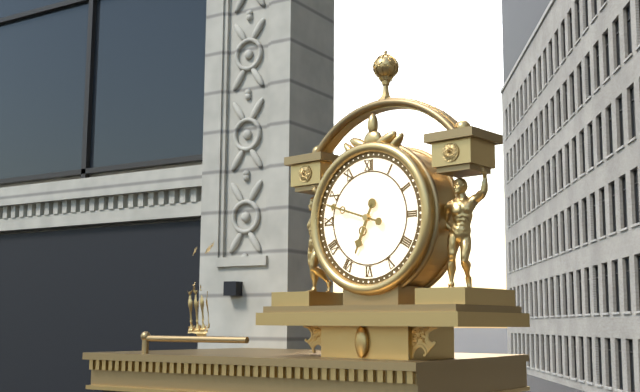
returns 6.48
